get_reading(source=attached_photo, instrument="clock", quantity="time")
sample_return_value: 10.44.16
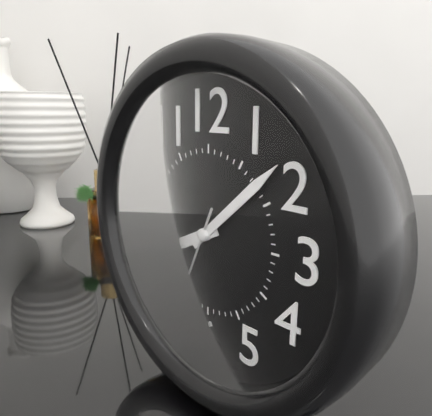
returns 8.08.34
